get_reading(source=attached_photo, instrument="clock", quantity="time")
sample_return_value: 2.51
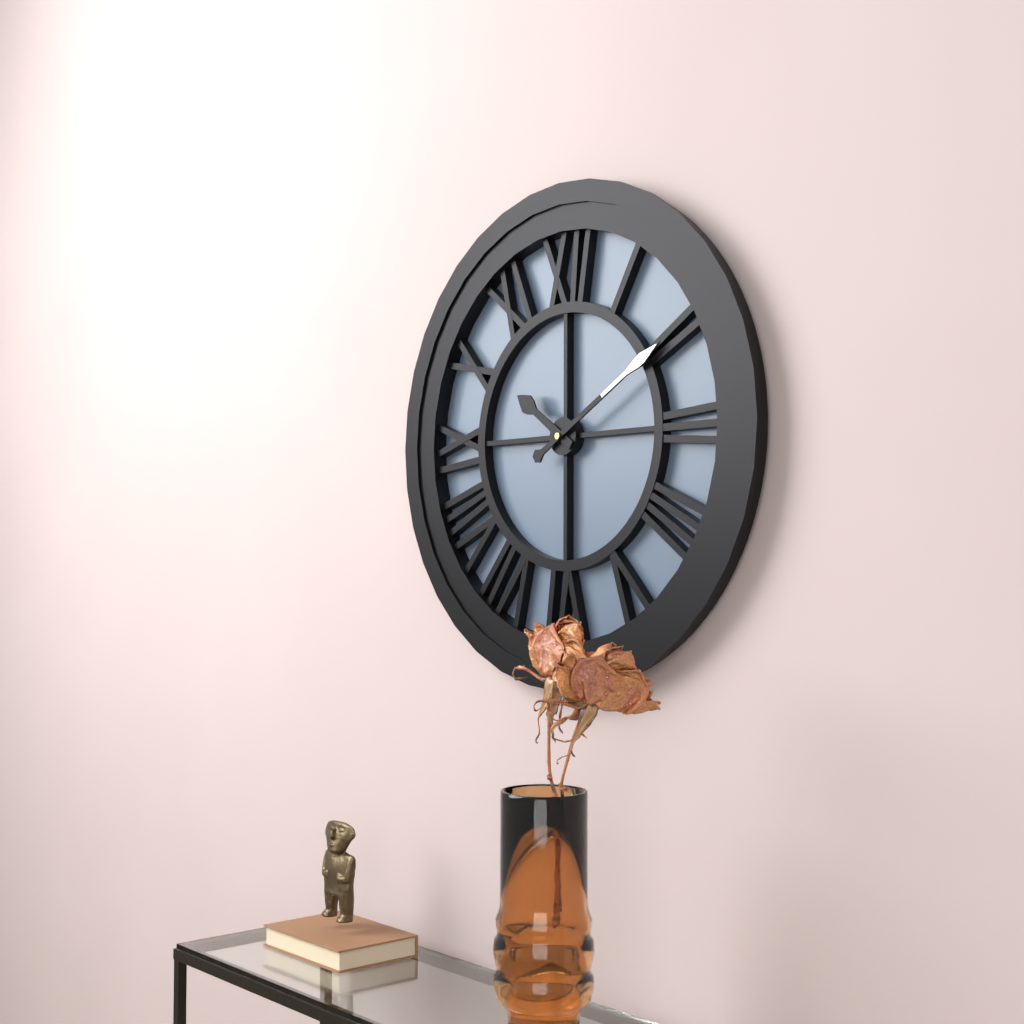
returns 10.10
